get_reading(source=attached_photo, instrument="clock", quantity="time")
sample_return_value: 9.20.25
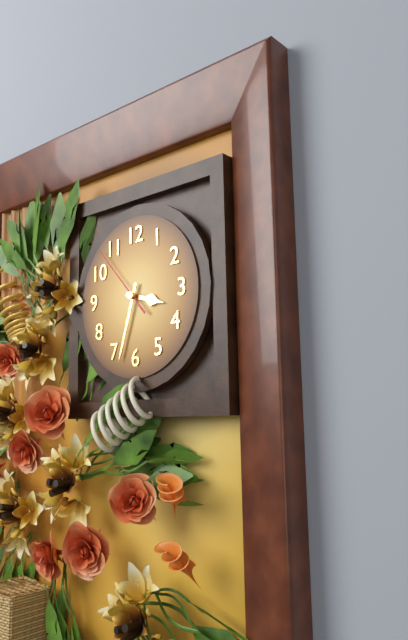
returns 3.33.53
